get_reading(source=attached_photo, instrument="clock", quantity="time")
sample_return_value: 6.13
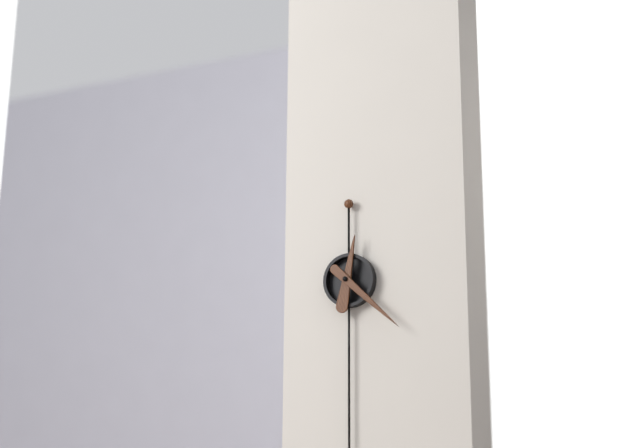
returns 12.22
